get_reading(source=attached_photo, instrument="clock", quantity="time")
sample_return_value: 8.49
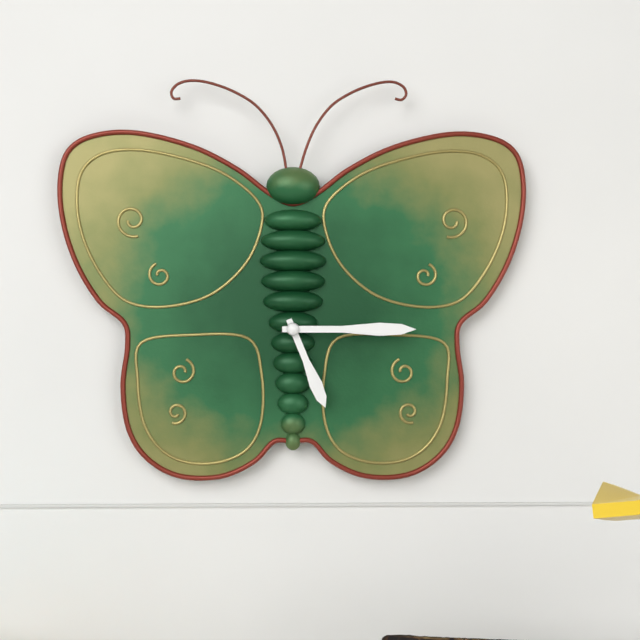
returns 5.15
